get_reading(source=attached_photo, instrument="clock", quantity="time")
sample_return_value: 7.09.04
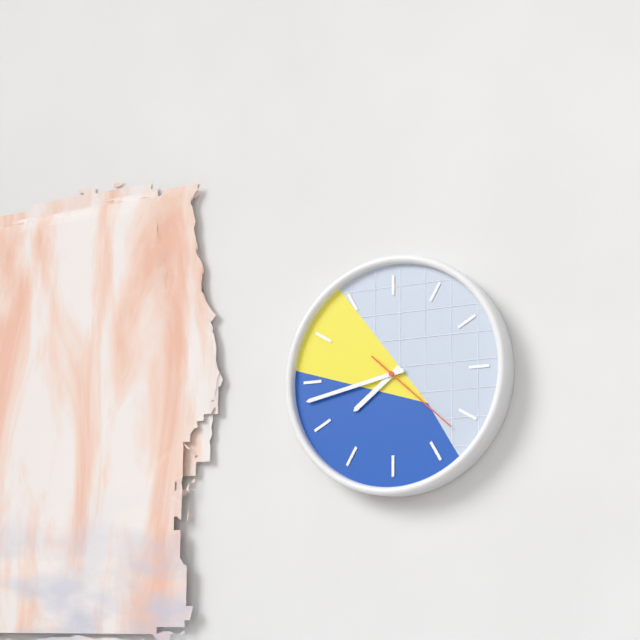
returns 7.43.22
